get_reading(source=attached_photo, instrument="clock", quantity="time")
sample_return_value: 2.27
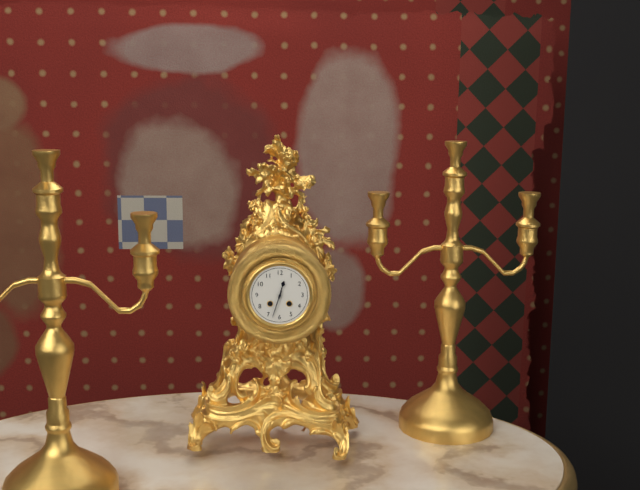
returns 12.33
